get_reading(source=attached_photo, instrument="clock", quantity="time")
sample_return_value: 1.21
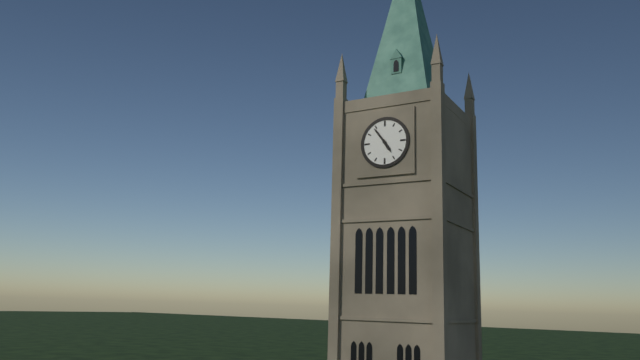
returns 4.54
